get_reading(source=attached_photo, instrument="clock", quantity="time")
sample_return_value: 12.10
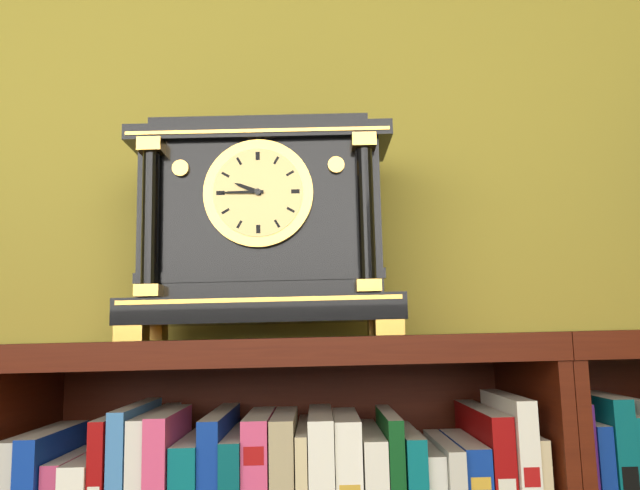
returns 9.45
